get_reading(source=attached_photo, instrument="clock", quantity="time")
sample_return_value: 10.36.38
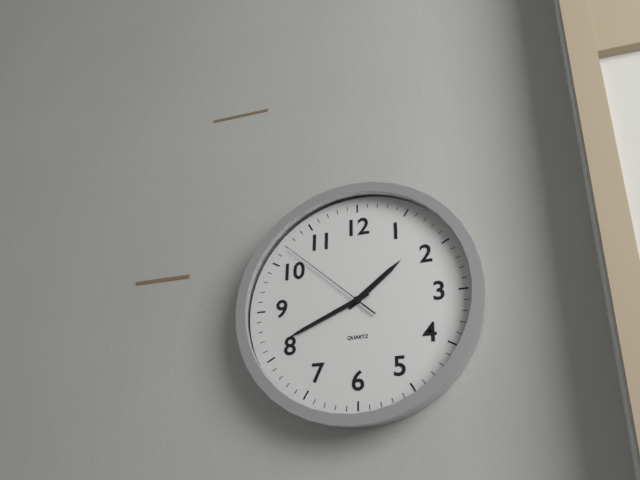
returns 1.41.52
